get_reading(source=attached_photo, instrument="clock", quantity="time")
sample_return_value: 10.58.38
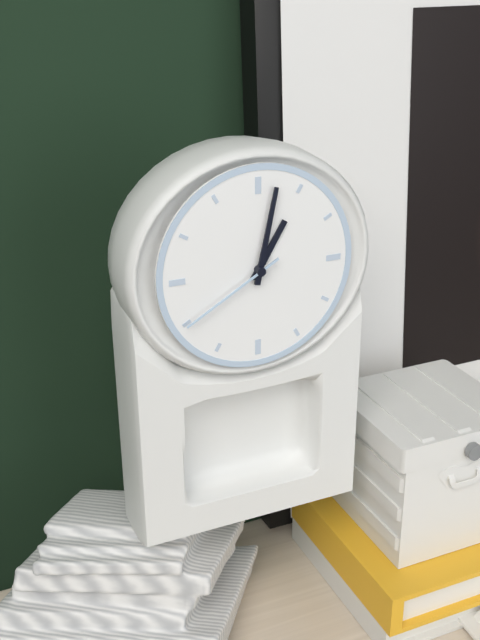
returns 1.02.40
